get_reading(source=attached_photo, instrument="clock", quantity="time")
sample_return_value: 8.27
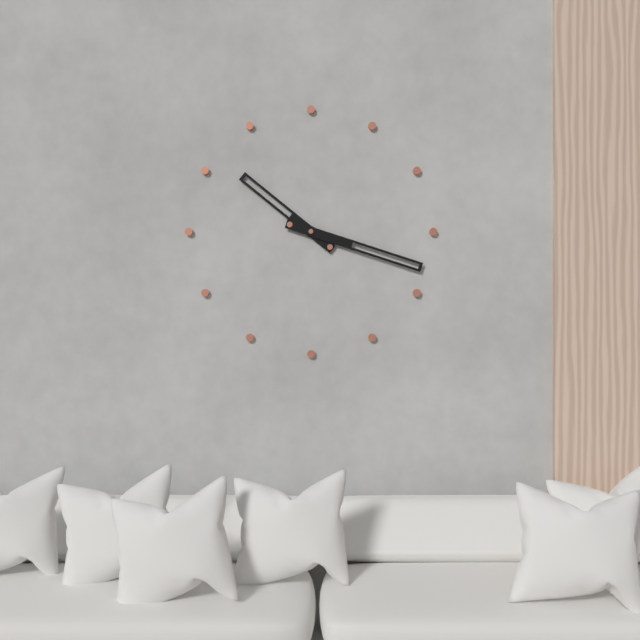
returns 10.18
